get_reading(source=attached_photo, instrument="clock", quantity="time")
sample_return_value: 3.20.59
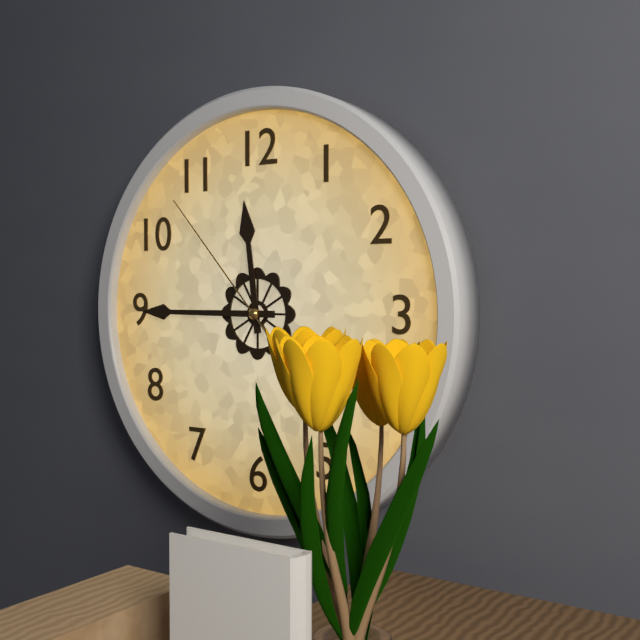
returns 11.45.53
